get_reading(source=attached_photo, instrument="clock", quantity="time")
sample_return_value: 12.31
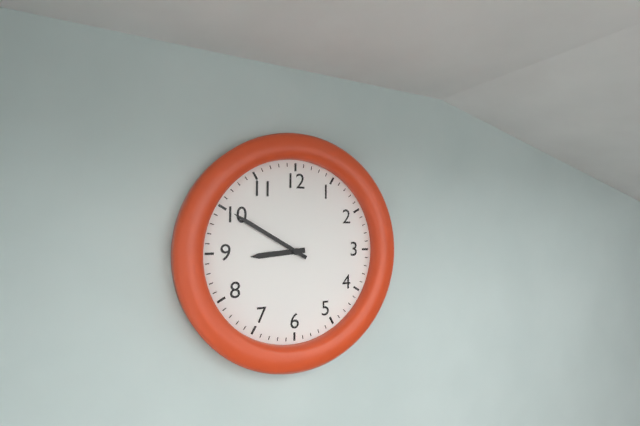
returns 8.50
